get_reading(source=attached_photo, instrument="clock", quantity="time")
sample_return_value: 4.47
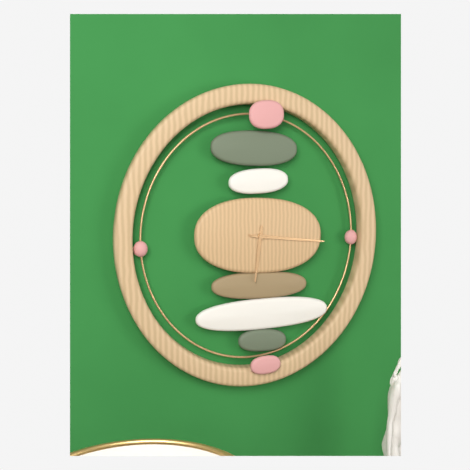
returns 6.16
